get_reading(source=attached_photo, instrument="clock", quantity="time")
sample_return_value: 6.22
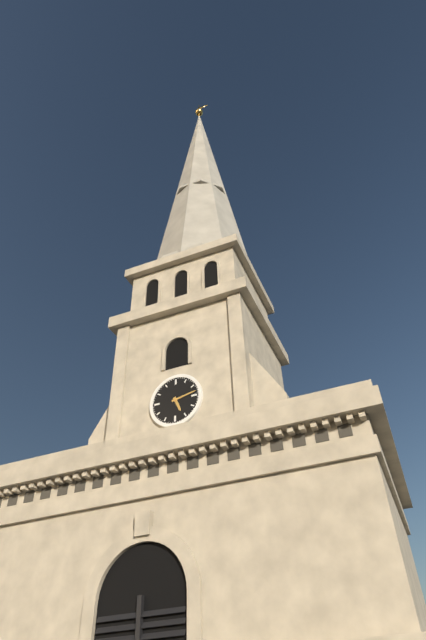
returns 5.13
